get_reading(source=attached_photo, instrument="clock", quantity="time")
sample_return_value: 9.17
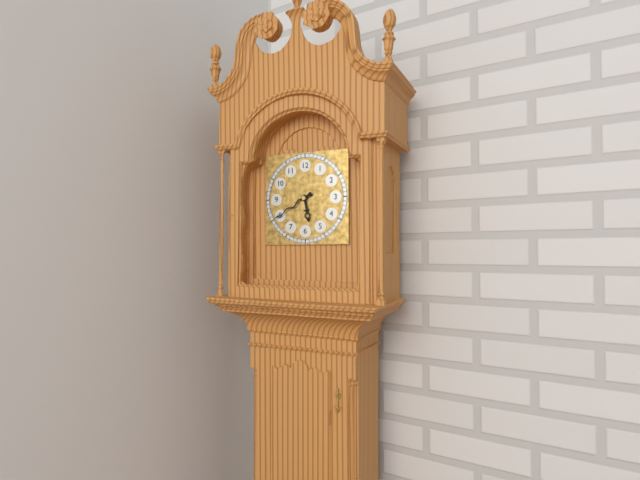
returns 5.40
